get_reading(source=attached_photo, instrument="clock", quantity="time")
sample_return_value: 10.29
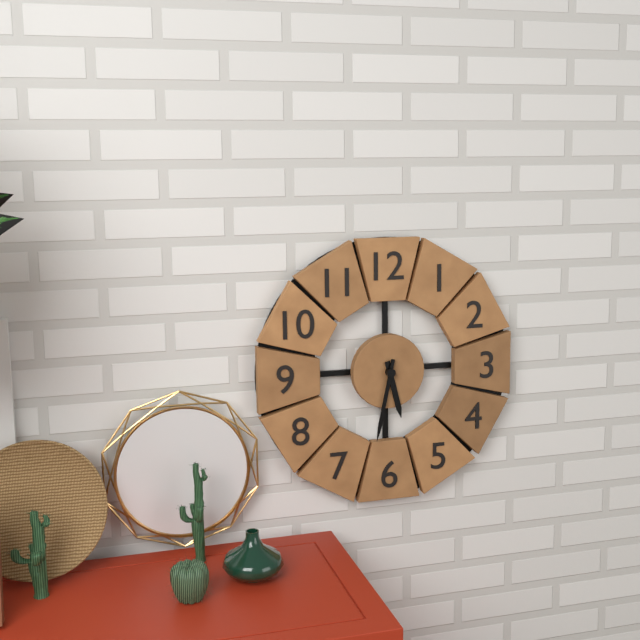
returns 5.32
